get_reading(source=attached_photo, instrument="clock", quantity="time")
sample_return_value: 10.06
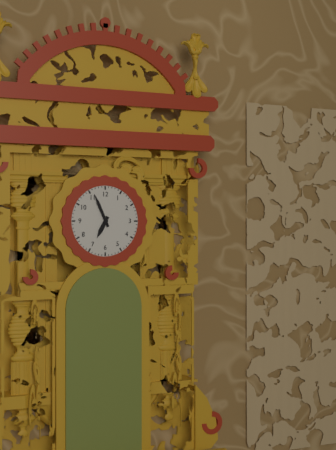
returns 6.56
